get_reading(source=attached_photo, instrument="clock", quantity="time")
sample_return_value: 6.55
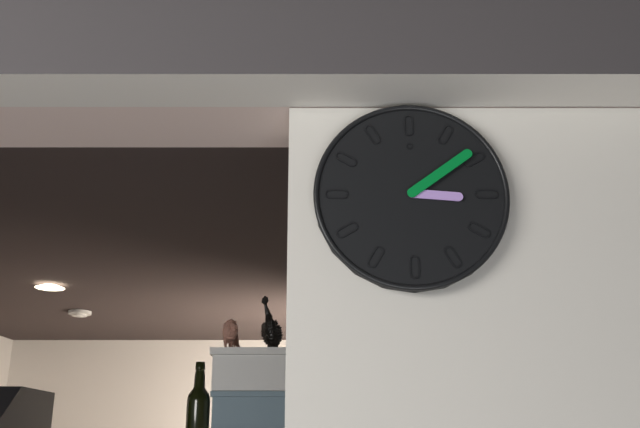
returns 3.09
